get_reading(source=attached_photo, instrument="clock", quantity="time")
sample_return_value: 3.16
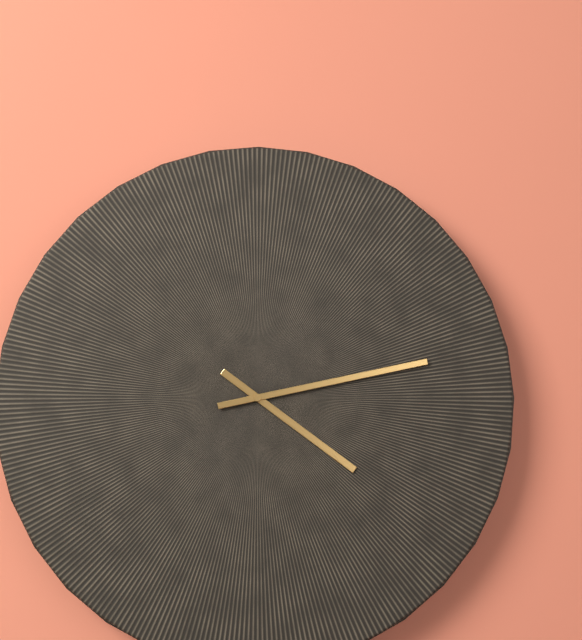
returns 4.13
